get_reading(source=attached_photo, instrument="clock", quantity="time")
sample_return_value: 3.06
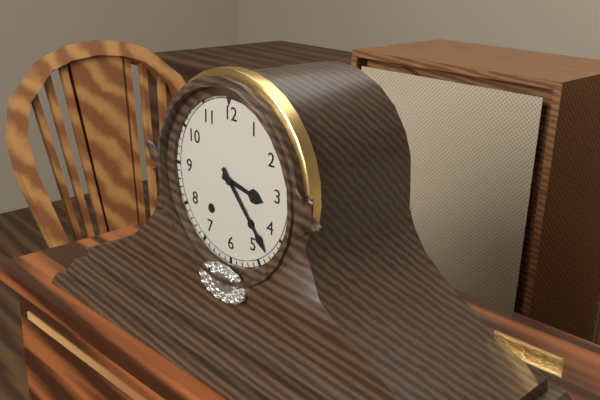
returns 3.23
